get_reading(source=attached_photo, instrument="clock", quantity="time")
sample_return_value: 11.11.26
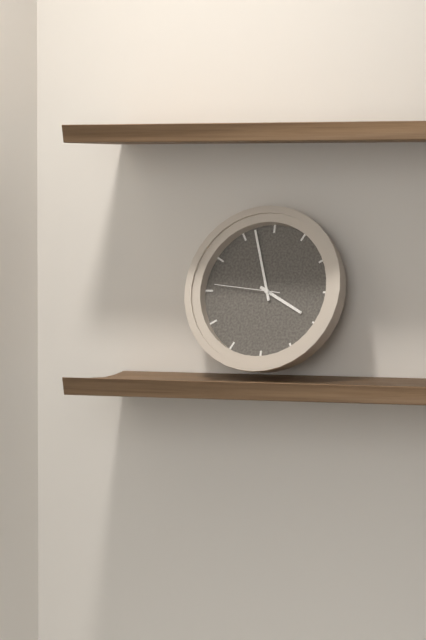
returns 3.57.46
